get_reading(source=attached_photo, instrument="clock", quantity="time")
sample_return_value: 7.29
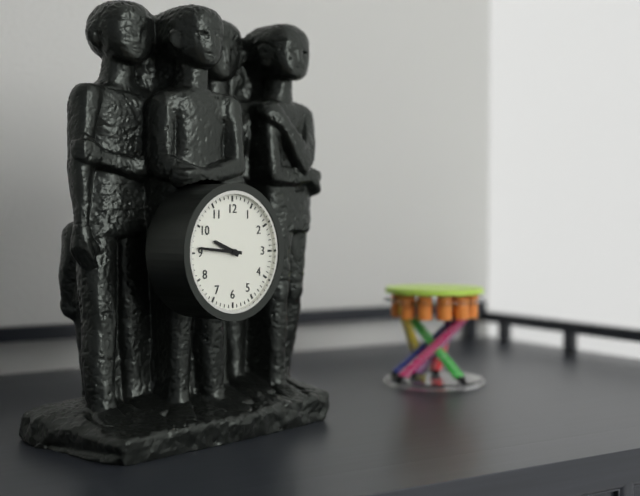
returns 9.46
